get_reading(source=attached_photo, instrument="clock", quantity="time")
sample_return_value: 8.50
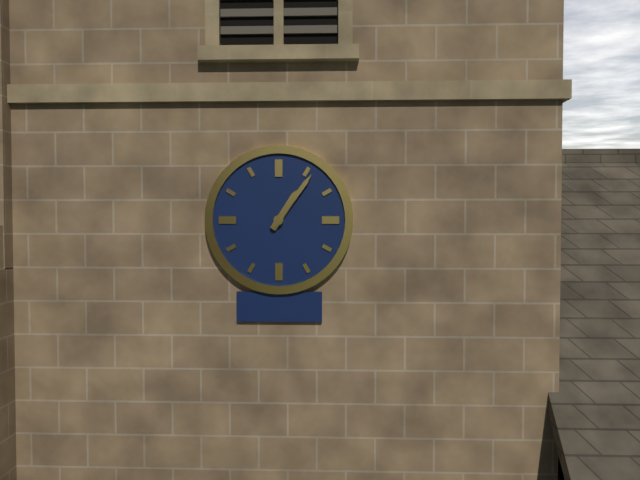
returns 1.06
